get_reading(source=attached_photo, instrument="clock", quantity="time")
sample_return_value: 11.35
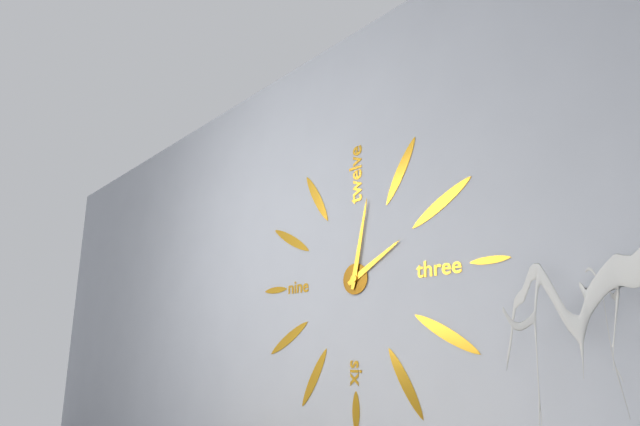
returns 2.02
